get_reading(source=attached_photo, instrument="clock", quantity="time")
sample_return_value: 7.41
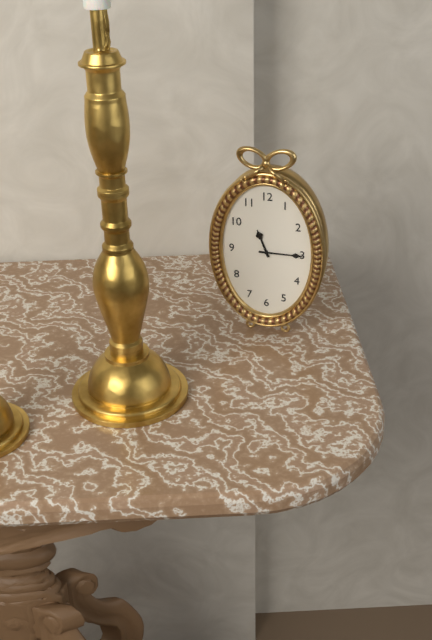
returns 11.15
